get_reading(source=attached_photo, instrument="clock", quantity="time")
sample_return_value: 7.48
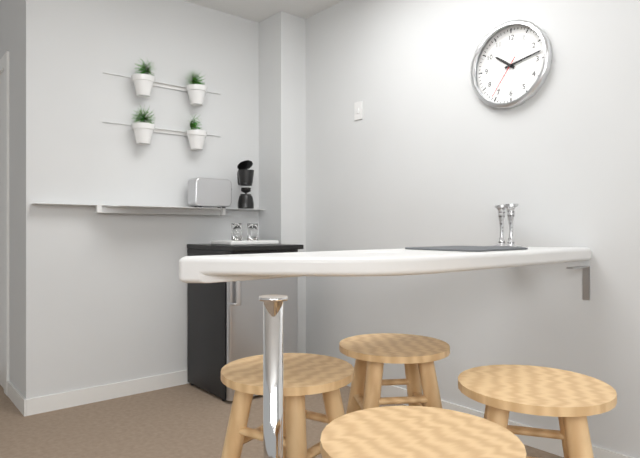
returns 10.13
